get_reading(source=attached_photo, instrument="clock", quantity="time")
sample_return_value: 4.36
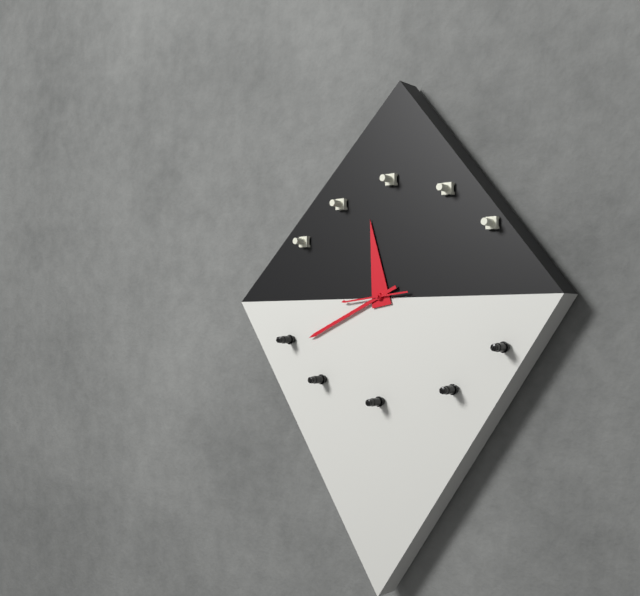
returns 11.41
